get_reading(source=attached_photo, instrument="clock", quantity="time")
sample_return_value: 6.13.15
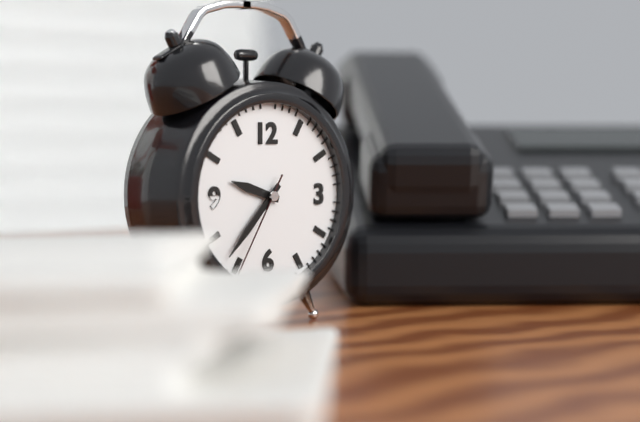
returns 9.37.35
